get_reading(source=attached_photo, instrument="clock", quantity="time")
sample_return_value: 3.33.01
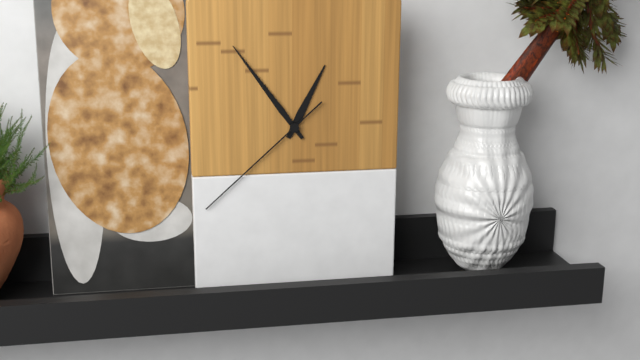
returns 12.54.38
